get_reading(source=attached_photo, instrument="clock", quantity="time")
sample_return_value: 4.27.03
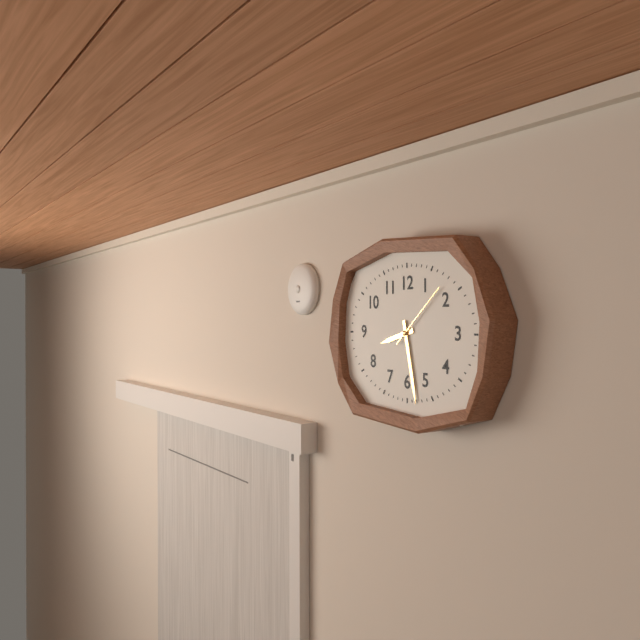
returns 8.28.08
